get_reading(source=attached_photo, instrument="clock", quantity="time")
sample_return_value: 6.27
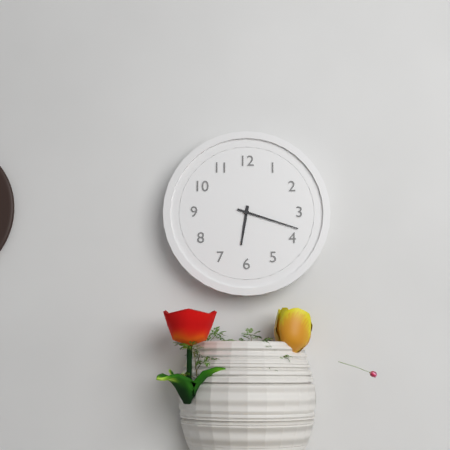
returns 6.18
